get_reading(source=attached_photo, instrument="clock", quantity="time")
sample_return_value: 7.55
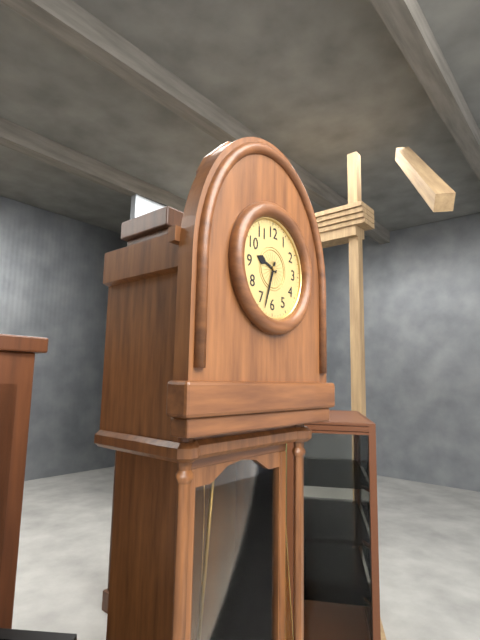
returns 9.33
